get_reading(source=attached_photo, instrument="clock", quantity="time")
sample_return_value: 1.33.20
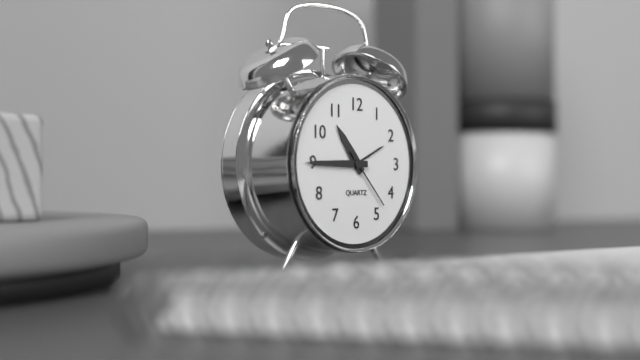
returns 10.45.23
